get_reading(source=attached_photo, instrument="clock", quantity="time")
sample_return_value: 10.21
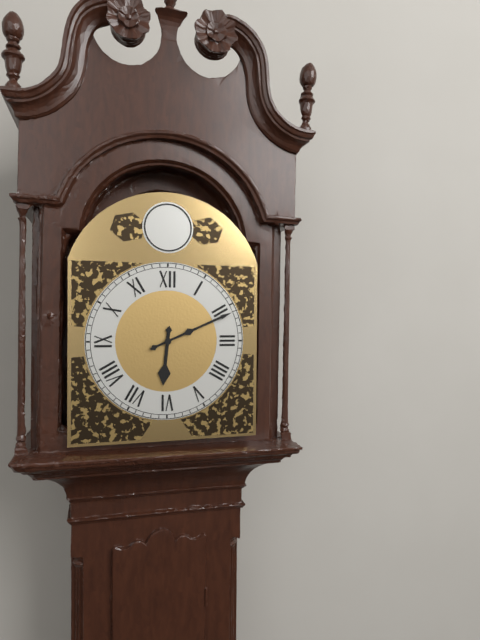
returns 6.11
